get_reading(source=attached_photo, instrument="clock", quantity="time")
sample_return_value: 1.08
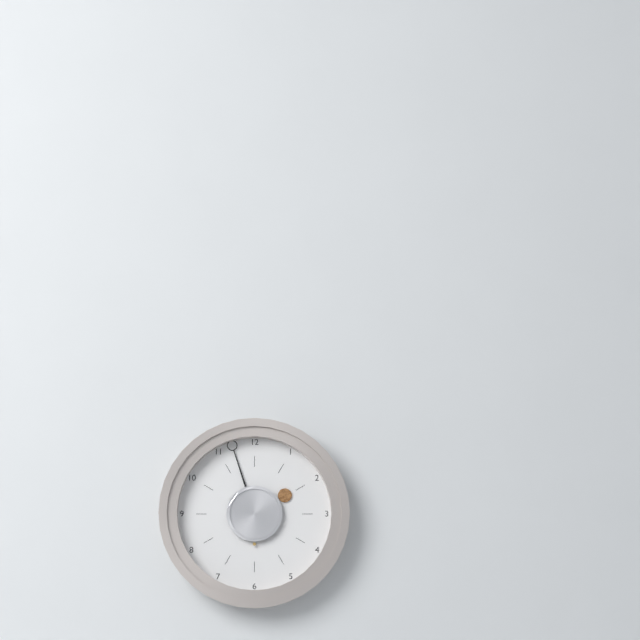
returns 1.57
